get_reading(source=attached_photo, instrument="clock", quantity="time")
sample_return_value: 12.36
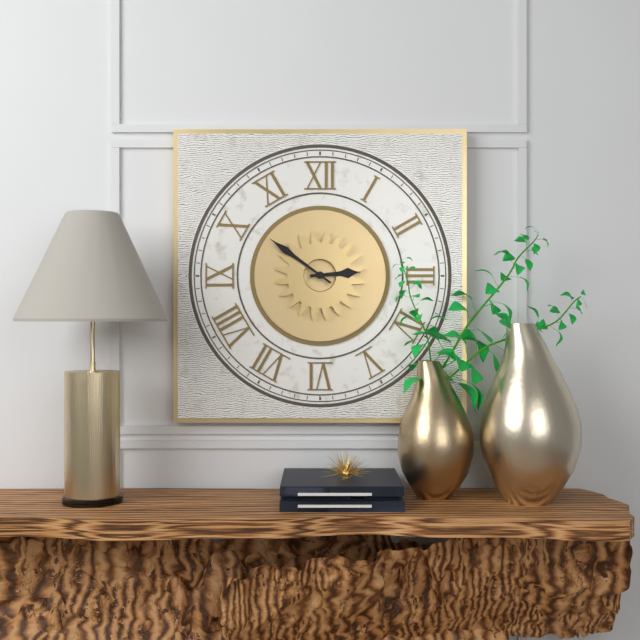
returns 2.51
